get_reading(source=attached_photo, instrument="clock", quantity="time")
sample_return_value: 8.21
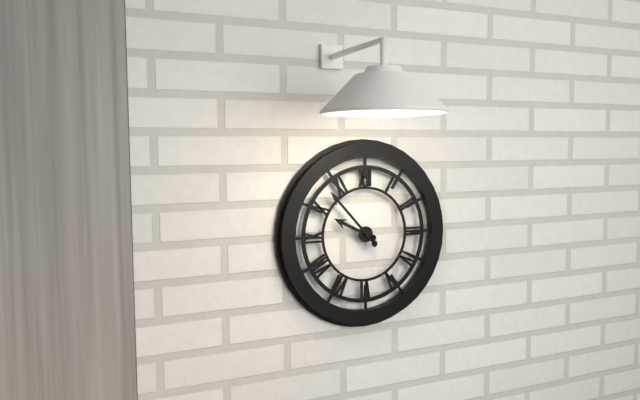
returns 9.53
